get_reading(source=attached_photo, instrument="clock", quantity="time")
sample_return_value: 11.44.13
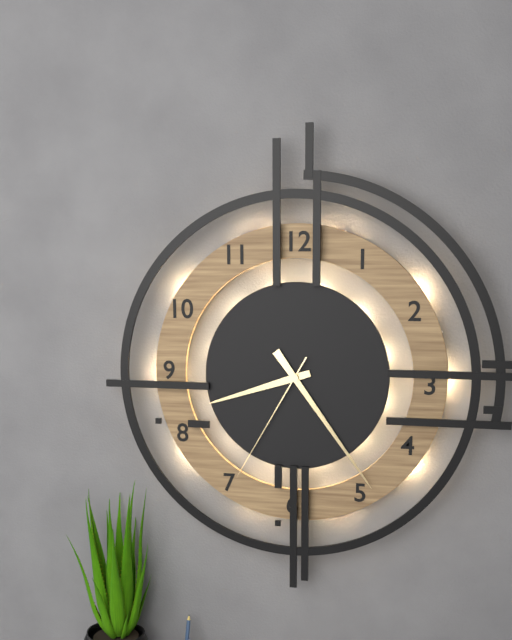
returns 8.24.35
